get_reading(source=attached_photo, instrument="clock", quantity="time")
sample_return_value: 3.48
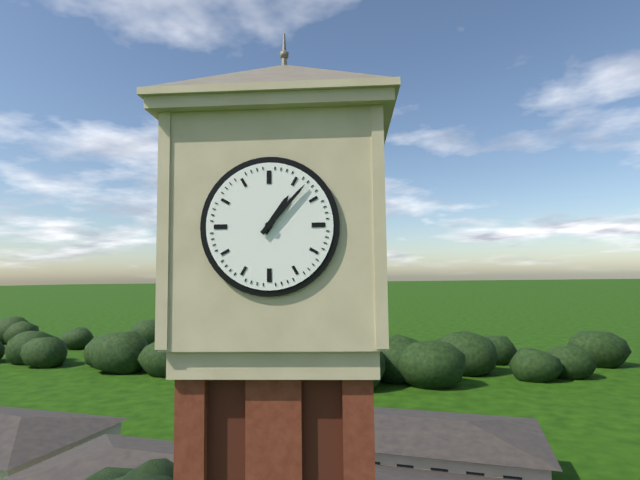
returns 1.07
